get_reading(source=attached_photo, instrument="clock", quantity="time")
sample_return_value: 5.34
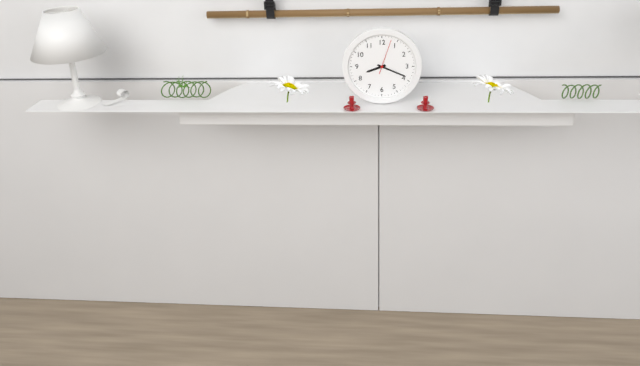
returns 8.19
